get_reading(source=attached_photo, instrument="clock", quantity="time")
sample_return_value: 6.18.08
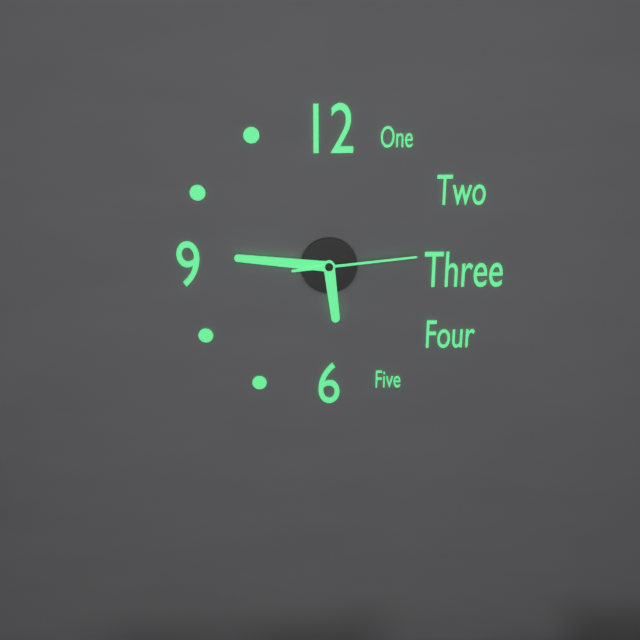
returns 5.46.14
